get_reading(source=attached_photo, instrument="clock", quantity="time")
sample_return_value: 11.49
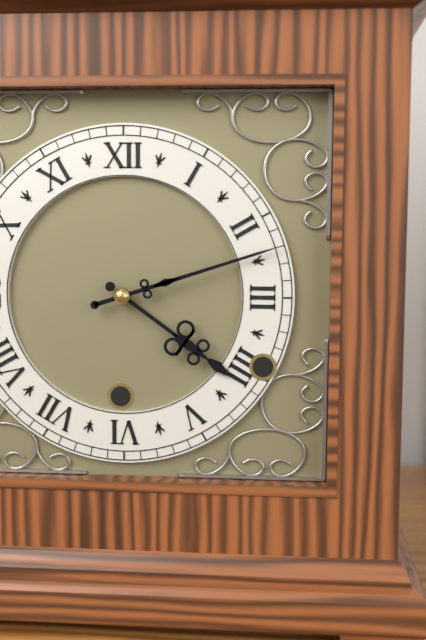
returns 4.12
